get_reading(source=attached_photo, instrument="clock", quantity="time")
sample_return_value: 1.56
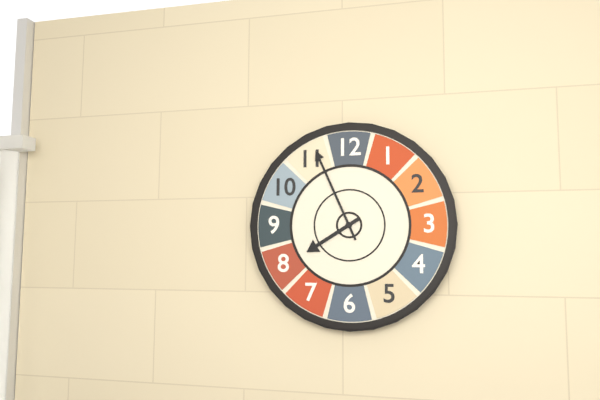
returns 7.56
